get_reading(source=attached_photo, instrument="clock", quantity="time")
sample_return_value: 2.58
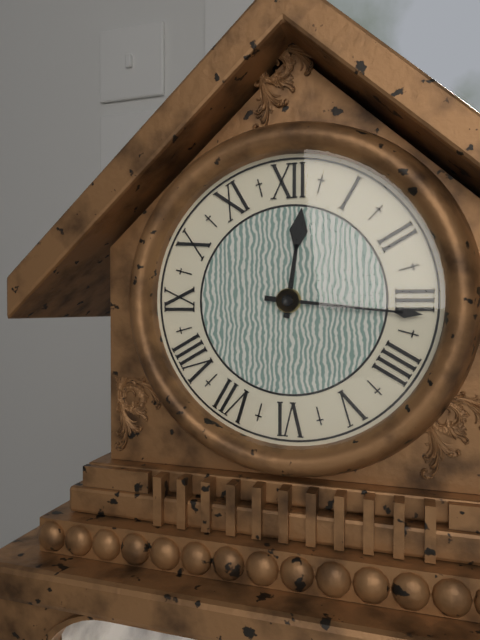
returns 12.16
